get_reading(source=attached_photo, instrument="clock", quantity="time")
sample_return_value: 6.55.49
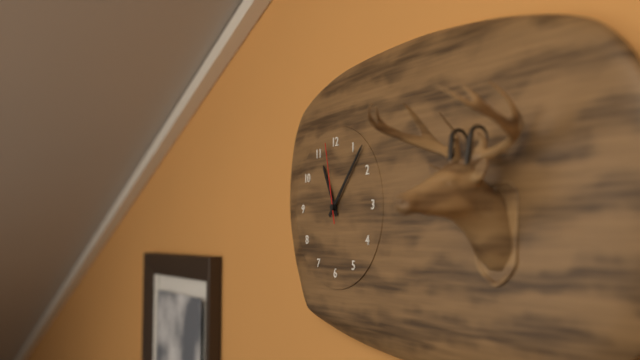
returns 11.07.58
